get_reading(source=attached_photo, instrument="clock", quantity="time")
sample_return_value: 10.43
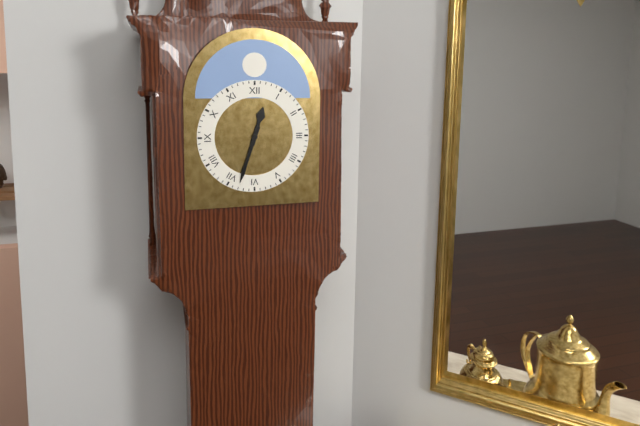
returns 12.33
